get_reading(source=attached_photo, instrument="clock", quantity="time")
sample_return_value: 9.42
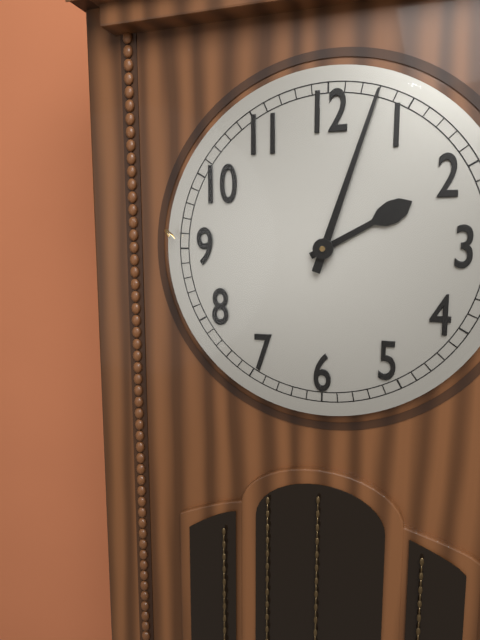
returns 2.03
